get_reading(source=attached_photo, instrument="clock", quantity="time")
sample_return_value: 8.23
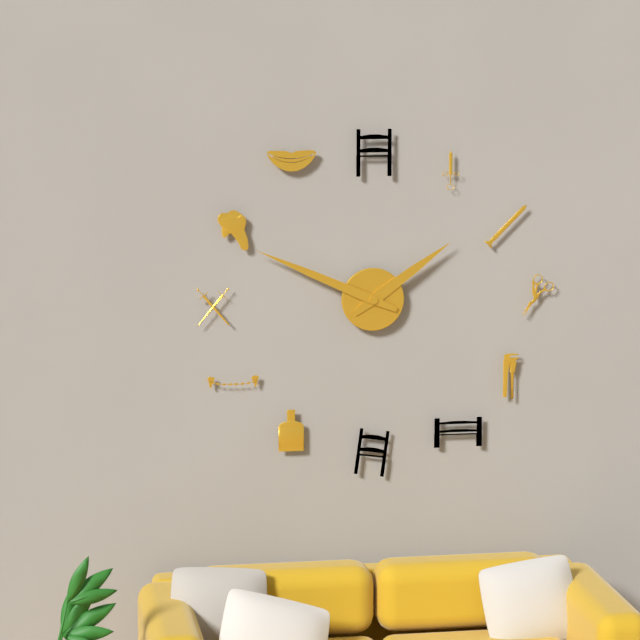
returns 1.49
